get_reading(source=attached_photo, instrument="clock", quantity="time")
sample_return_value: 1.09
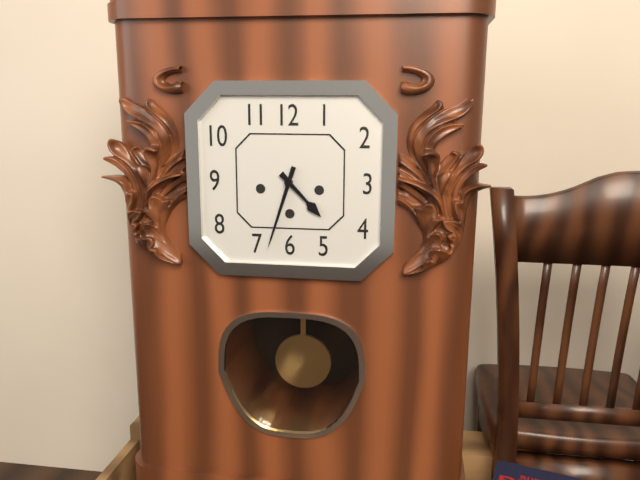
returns 4.33
